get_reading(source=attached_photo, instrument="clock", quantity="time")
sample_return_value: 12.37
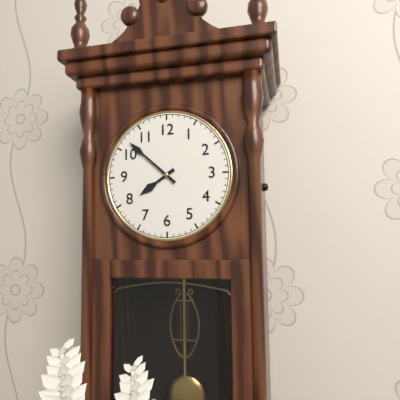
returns 7.52
